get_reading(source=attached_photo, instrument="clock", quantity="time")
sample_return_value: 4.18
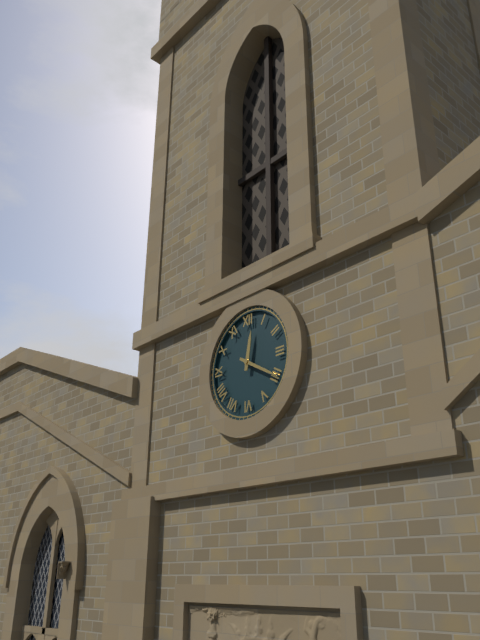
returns 12.20
